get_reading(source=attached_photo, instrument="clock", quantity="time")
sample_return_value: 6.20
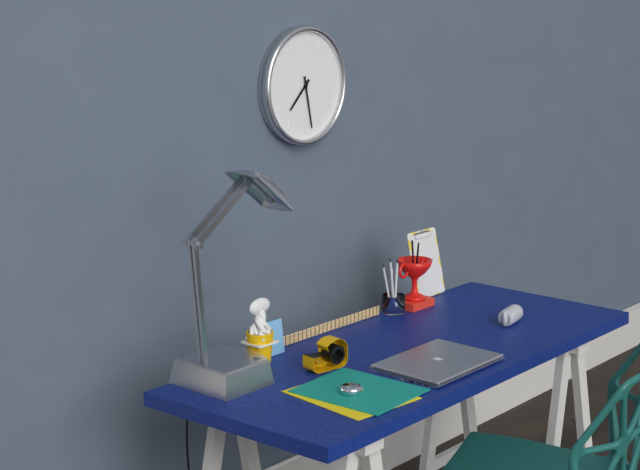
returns 7.28
